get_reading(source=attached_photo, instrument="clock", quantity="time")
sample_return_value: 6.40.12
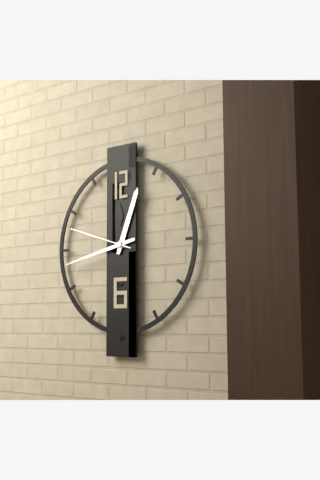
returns 12.43.48
